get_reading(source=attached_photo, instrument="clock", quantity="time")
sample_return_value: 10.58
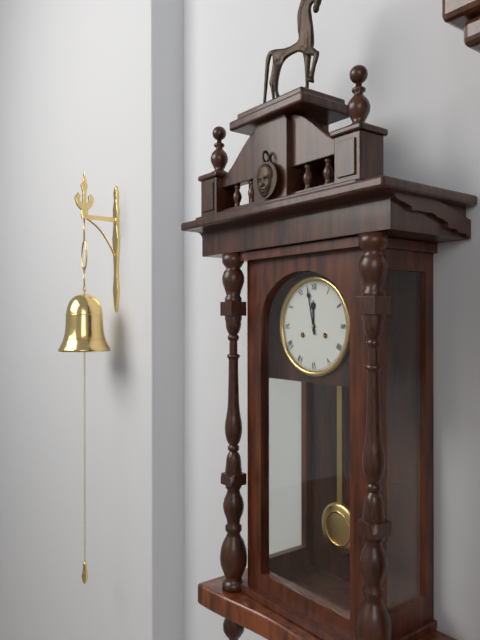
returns 11.58
